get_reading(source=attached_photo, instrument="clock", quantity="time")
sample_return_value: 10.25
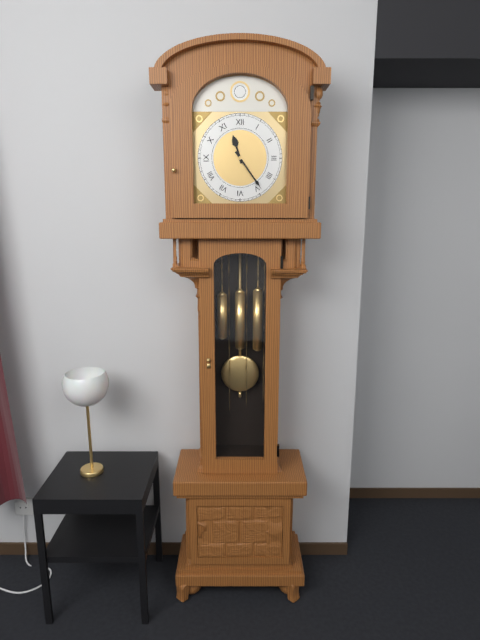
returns 11.24
